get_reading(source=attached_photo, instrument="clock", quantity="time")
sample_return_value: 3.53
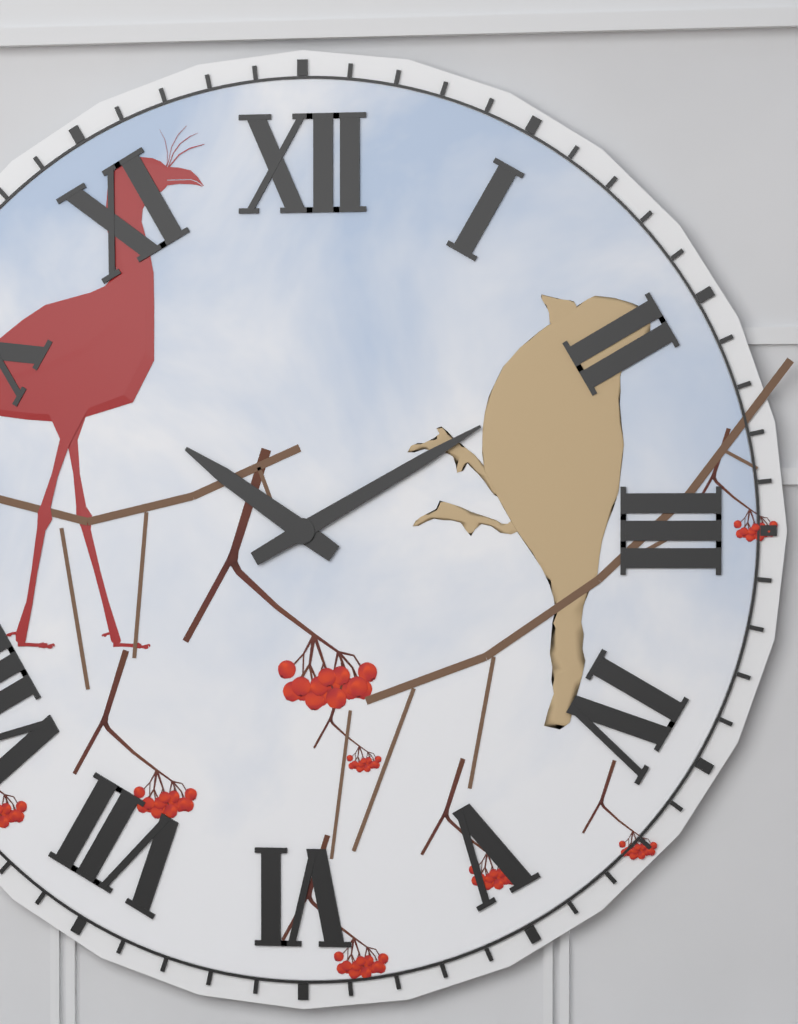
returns 10.10
